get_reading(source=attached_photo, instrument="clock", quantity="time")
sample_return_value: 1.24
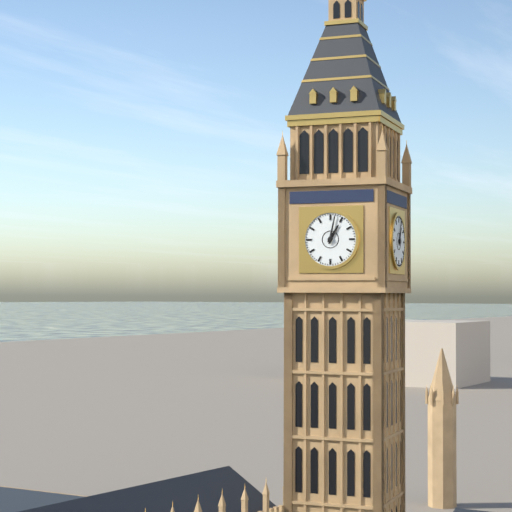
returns 1.02
